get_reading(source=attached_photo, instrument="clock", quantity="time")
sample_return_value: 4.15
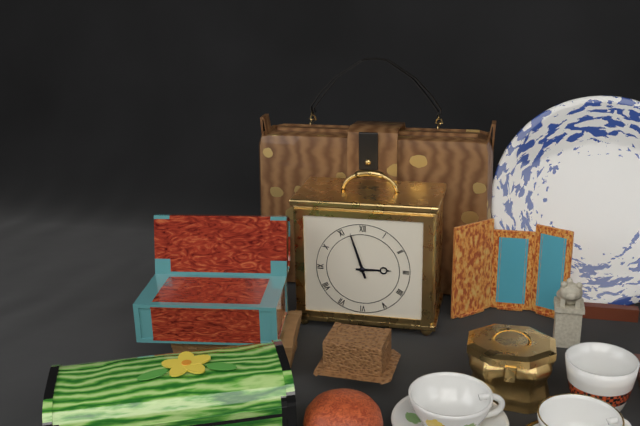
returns 2.57
